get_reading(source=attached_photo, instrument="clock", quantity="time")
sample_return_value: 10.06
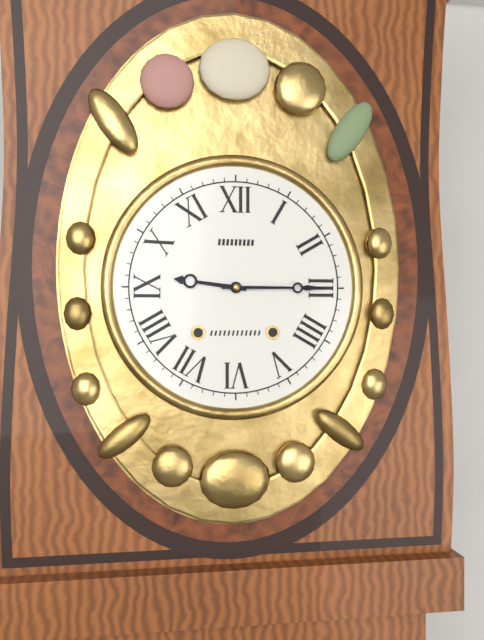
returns 9.15
